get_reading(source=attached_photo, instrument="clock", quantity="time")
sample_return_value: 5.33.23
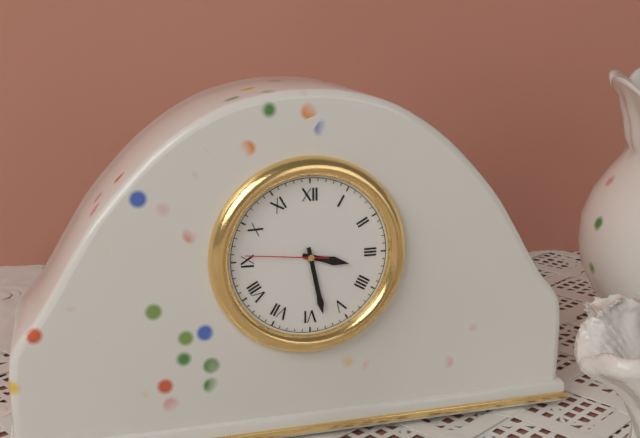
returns 3.28.46
